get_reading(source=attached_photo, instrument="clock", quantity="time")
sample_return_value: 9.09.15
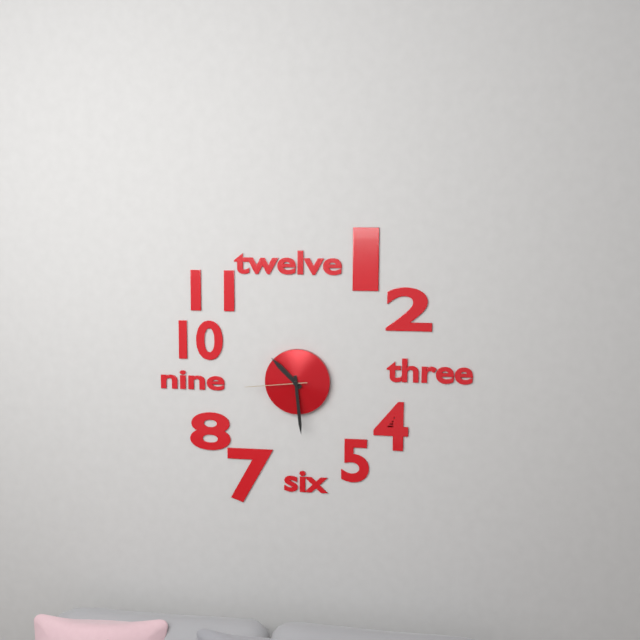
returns 10.29.44
